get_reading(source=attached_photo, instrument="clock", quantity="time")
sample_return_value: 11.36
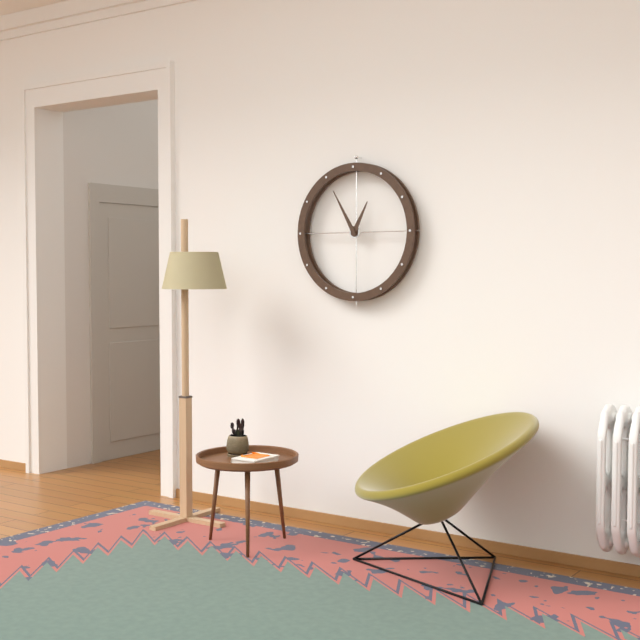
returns 12.55
